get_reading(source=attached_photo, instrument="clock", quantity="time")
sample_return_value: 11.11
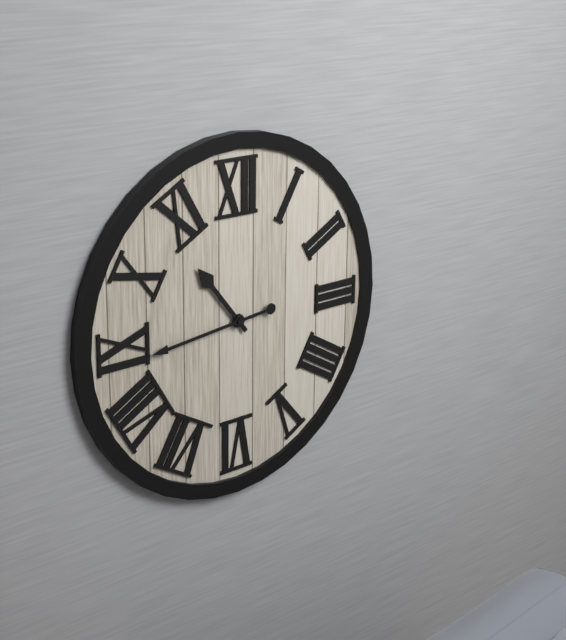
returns 10.44
